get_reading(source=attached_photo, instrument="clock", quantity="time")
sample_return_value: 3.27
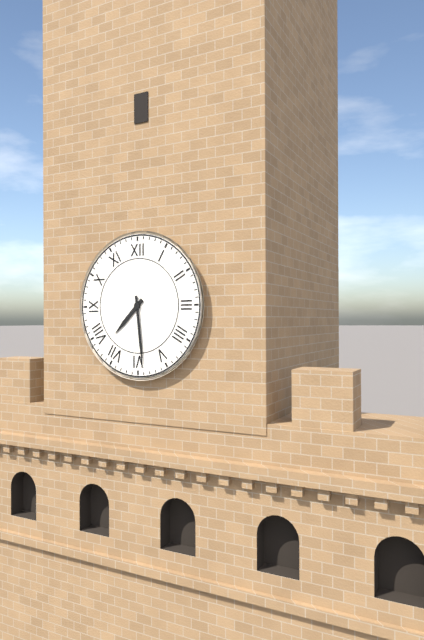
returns 7.29
